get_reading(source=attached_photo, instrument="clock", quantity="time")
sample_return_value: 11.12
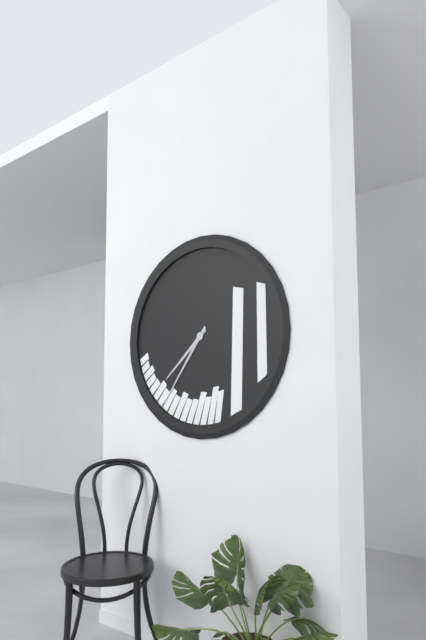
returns 7.36
